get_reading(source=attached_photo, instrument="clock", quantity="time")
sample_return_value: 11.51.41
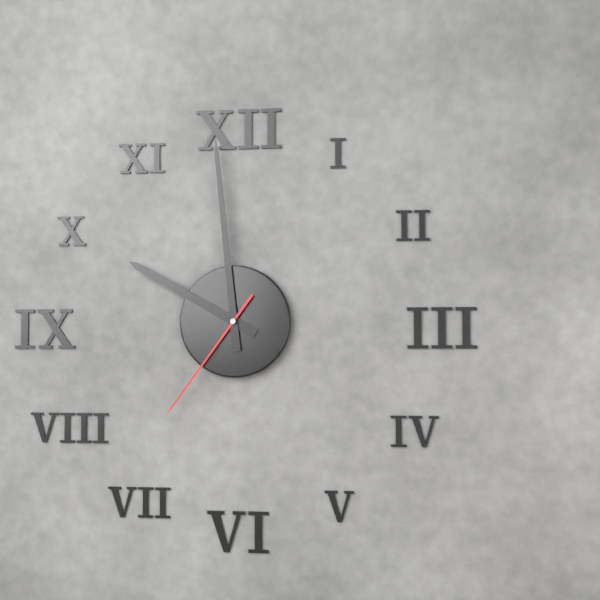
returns 9.59.36
